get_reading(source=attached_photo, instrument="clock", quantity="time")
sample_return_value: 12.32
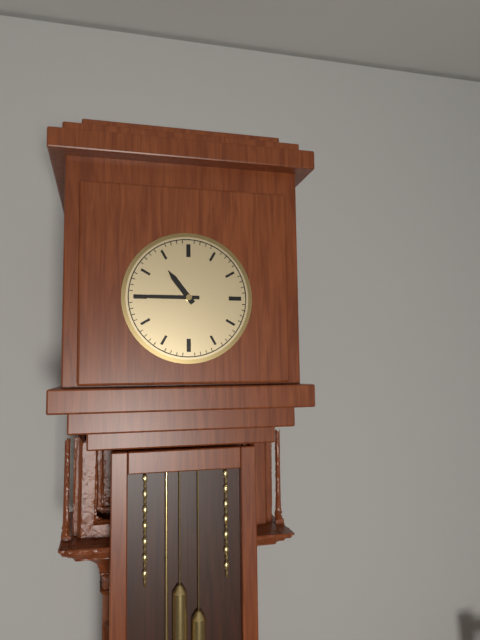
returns 10.45
